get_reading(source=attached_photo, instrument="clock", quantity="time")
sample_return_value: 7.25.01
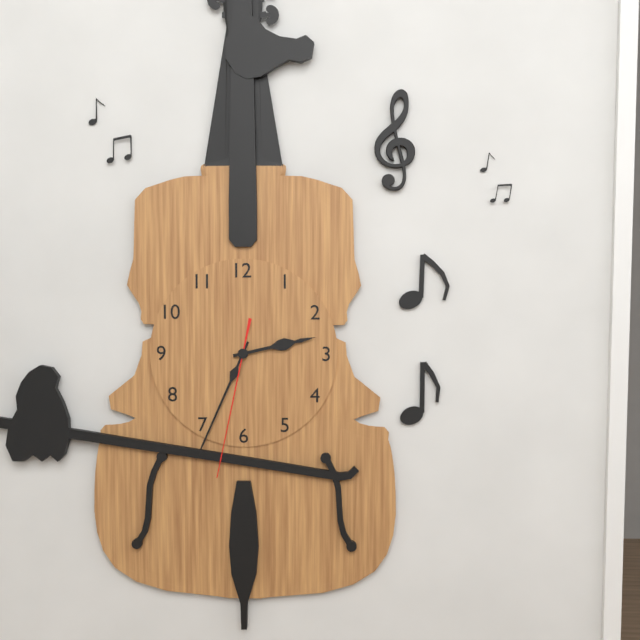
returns 2.34.32
